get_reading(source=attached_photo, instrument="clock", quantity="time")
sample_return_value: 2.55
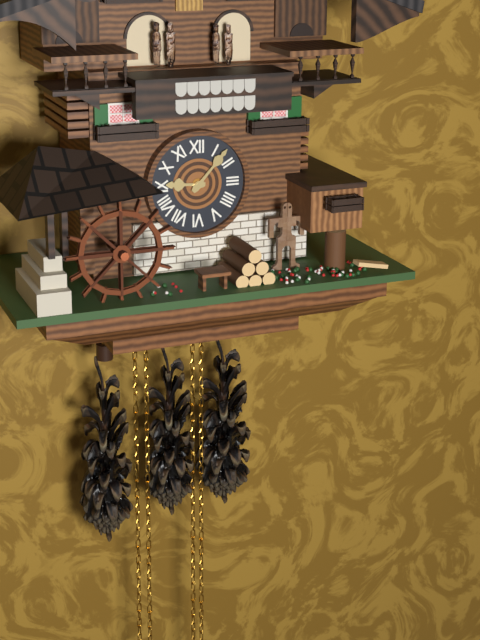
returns 9.07
